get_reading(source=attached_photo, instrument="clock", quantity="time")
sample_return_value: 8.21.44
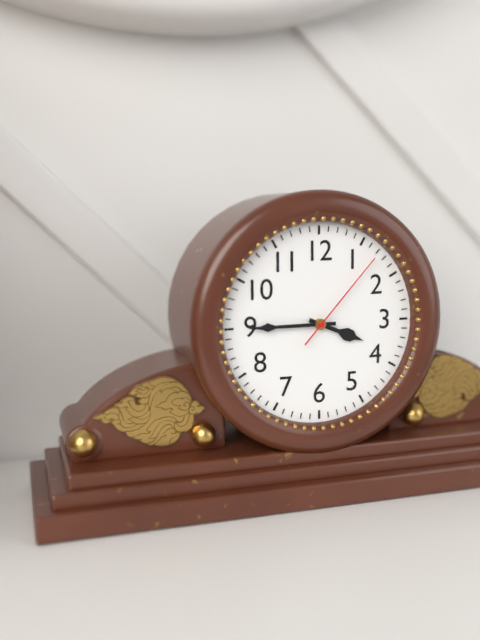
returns 3.45.07
